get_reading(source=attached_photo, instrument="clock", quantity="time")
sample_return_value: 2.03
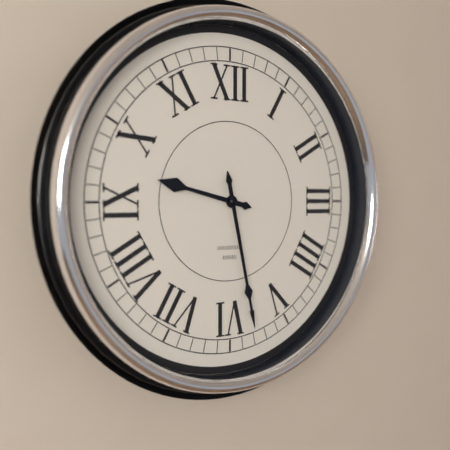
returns 9.28
